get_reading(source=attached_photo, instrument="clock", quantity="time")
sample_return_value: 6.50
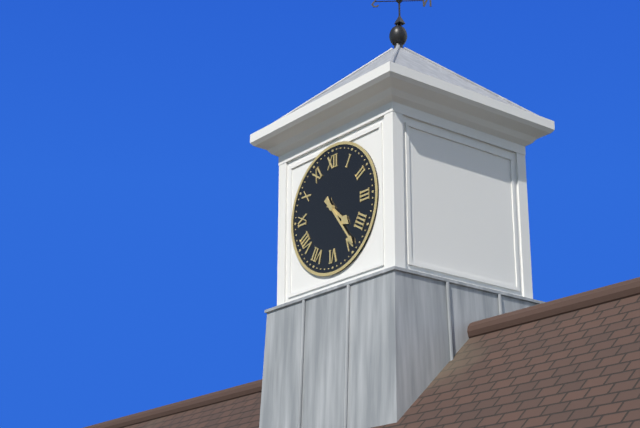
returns 4.24
